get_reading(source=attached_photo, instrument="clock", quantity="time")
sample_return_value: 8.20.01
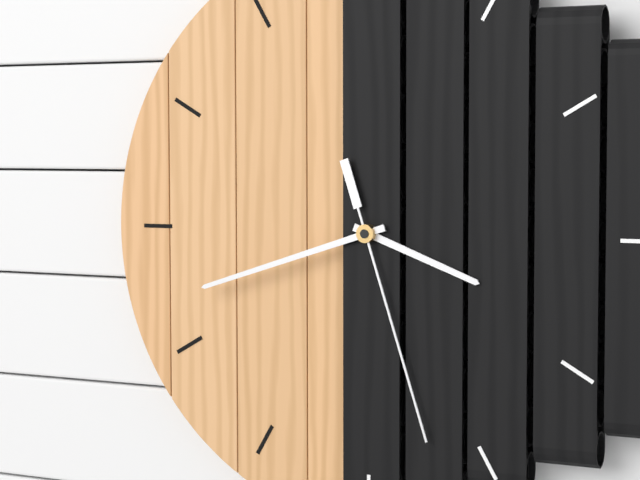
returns 3.42.27
